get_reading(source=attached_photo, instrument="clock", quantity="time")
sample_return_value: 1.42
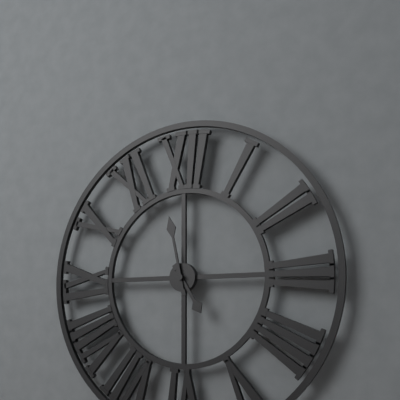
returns 4.58
